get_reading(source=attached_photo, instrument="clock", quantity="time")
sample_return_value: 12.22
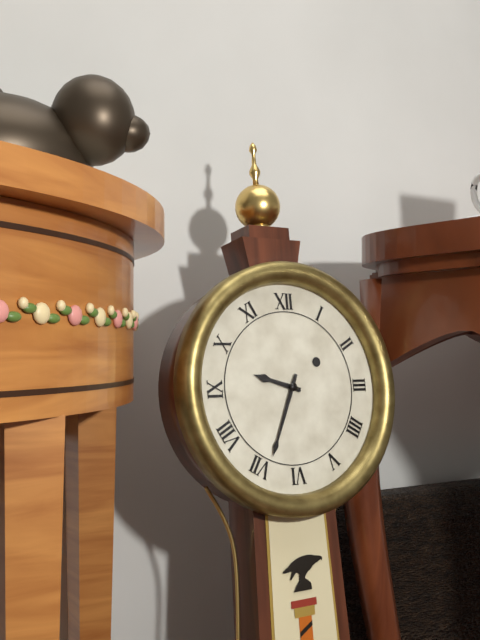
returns 9.34
